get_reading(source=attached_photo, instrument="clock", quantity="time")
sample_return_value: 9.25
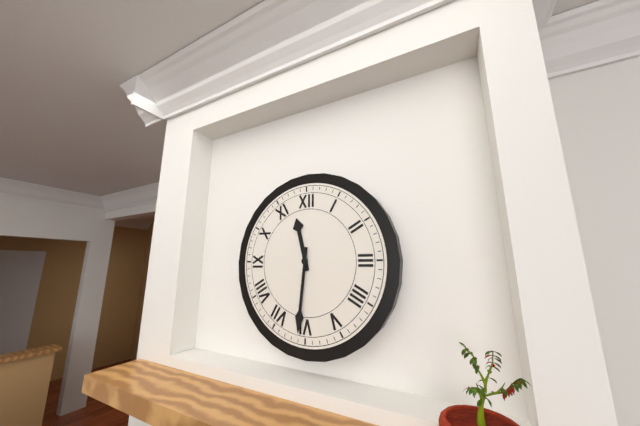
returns 11.31
